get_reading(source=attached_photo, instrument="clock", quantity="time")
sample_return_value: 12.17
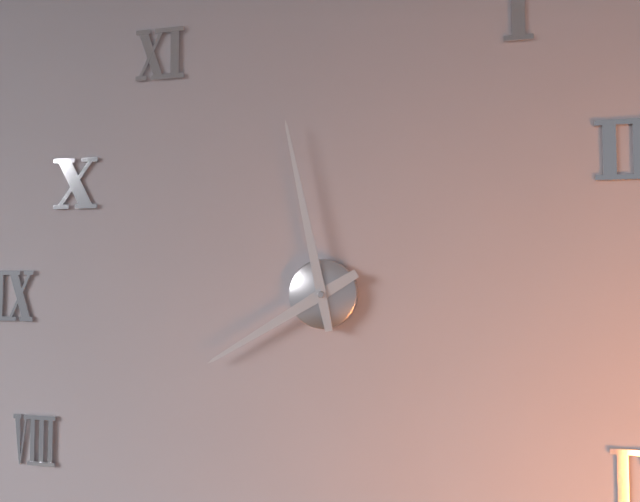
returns 7.58
